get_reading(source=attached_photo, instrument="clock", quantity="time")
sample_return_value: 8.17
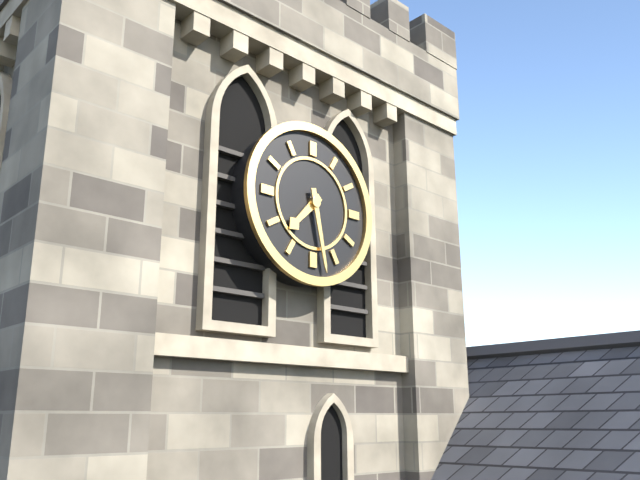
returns 7.28
